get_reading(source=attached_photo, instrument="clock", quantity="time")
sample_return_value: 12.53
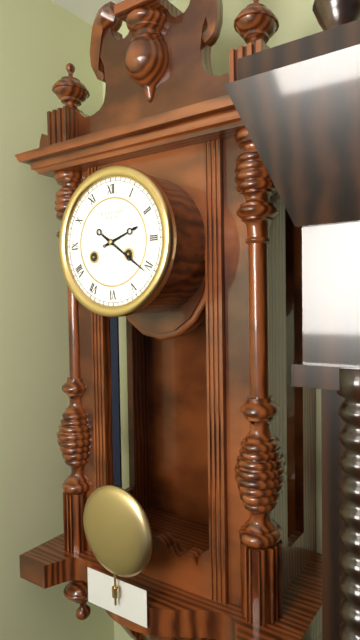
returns 2.21
